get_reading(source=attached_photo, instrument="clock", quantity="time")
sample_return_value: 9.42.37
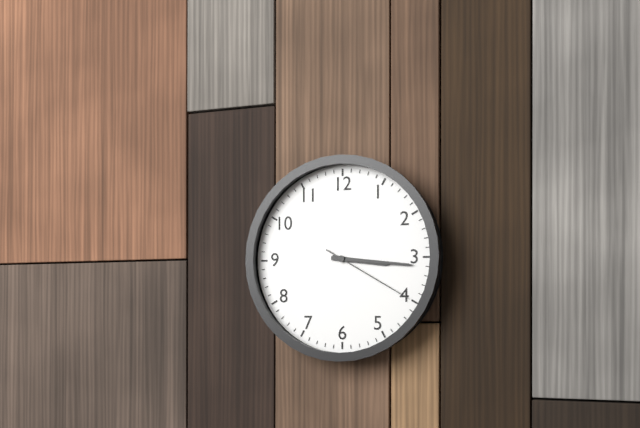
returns 3.16.20
